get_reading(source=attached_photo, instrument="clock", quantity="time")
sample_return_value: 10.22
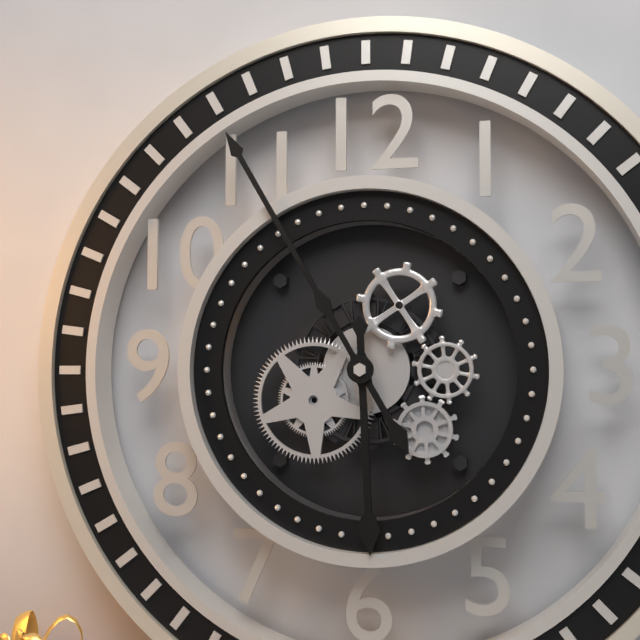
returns 5.55
